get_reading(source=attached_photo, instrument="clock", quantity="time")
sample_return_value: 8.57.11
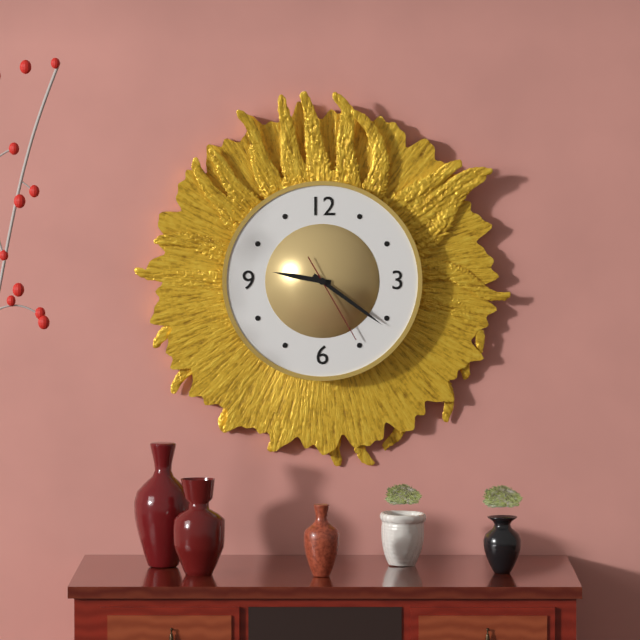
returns 9.21.25
